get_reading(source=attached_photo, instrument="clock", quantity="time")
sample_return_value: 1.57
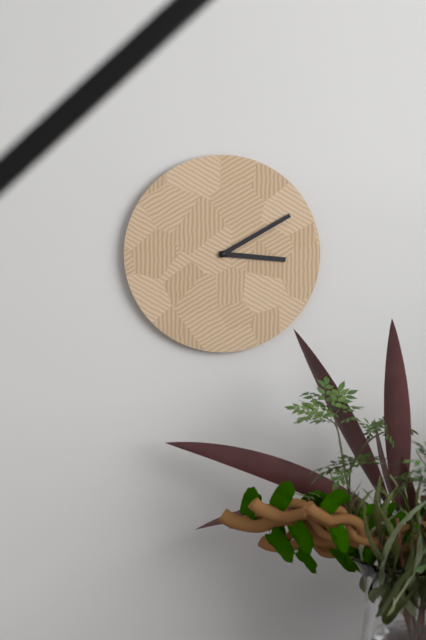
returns 3.10
